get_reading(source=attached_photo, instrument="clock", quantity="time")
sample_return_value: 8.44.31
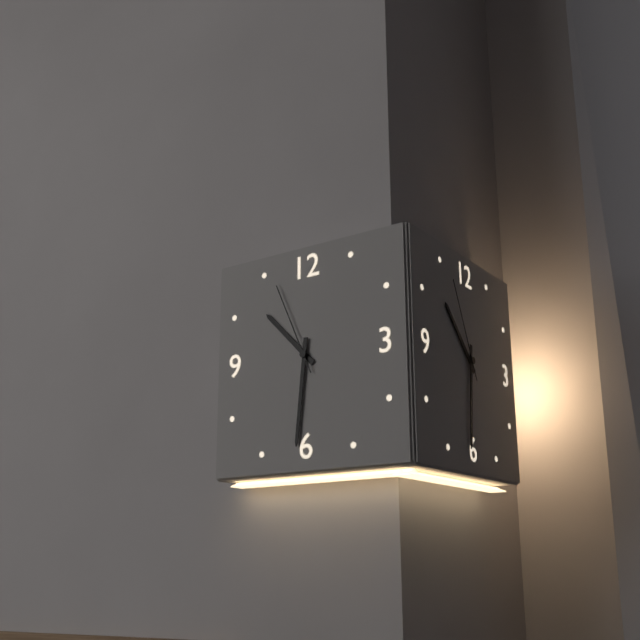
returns 10.31.56
